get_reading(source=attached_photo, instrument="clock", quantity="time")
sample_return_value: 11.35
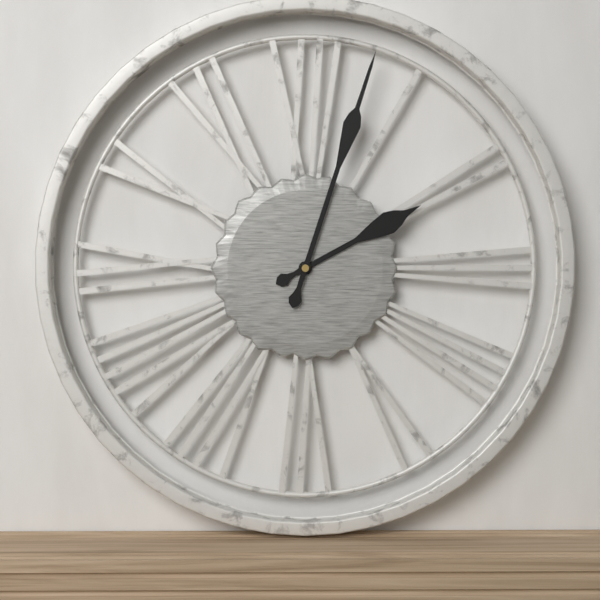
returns 2.03
